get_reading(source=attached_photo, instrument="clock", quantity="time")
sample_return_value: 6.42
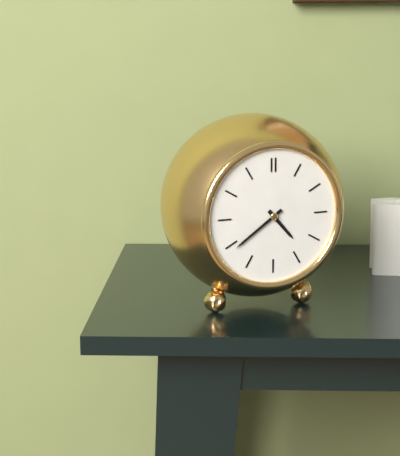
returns 4.39
